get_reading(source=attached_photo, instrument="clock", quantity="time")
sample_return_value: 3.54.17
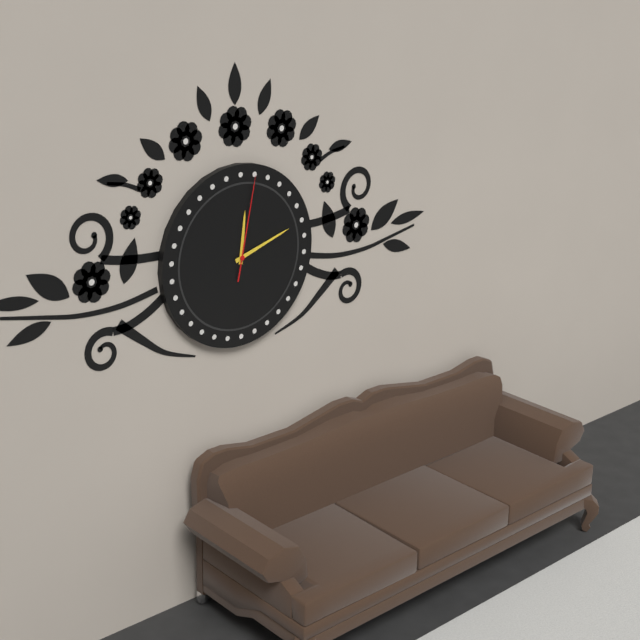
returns 12.12.02
